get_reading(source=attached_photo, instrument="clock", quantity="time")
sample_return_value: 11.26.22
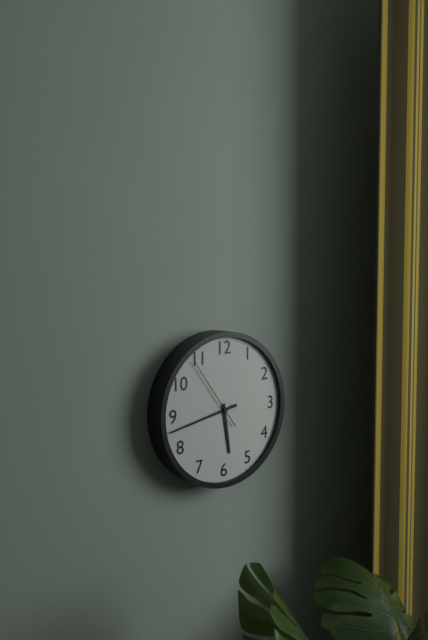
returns 5.43.54
